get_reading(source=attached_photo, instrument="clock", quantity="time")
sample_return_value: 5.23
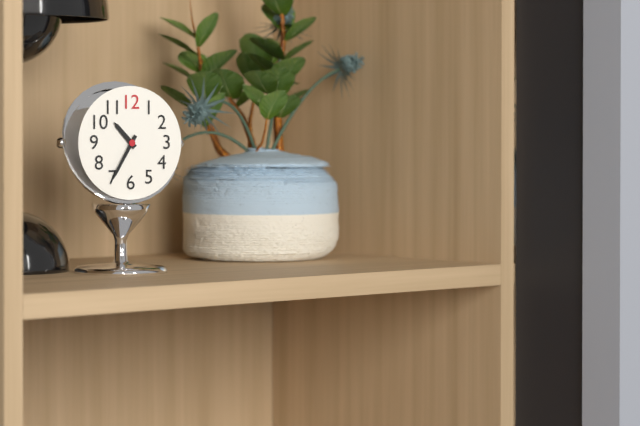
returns 10.35
